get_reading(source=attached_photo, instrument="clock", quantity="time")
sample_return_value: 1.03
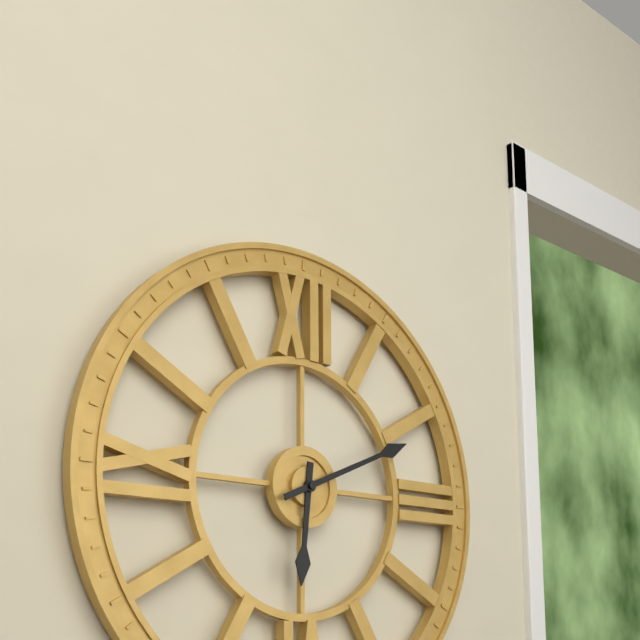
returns 6.11
